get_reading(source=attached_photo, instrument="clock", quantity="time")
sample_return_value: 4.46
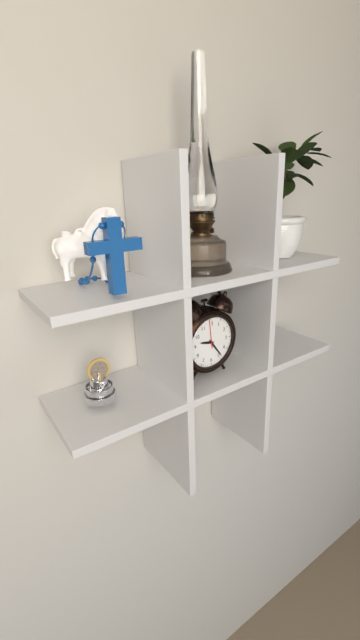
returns 9.24
